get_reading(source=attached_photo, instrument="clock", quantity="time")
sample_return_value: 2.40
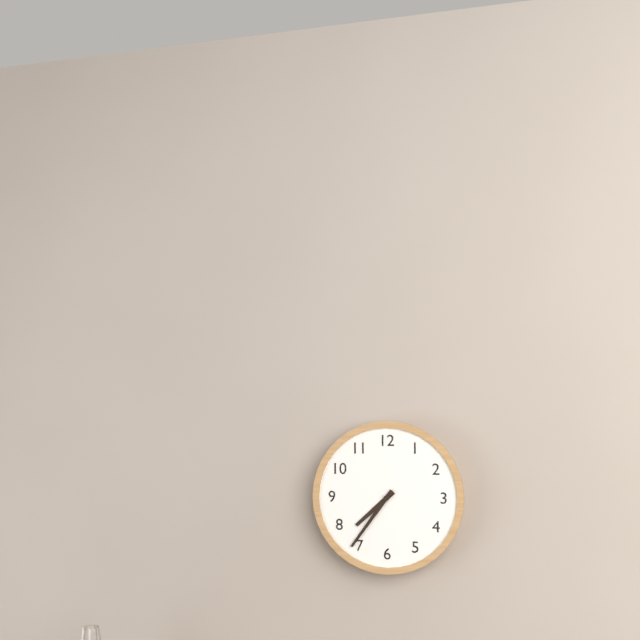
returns 7.36
